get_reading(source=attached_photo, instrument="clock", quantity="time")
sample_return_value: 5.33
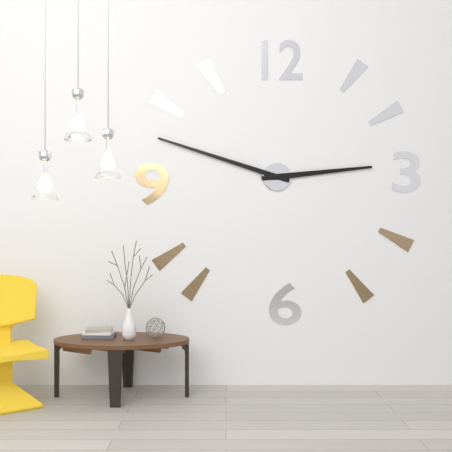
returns 2.48
